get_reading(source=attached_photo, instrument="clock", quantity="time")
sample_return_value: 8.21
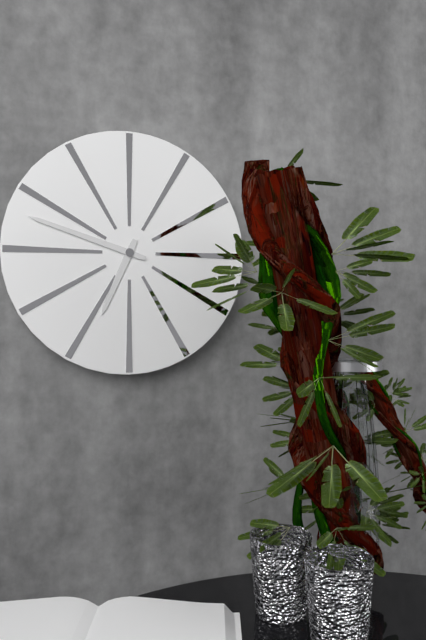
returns 6.48
